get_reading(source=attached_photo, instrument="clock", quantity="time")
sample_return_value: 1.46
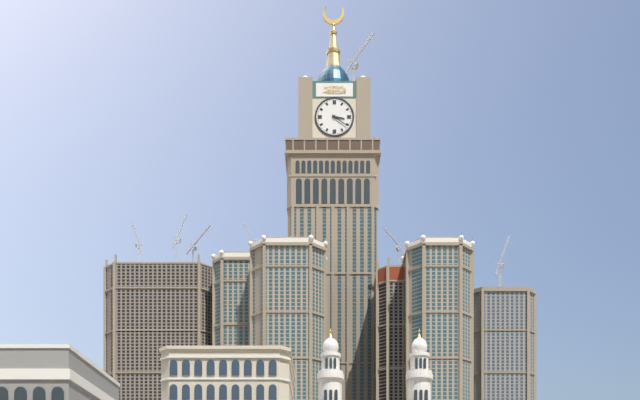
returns 3.21
